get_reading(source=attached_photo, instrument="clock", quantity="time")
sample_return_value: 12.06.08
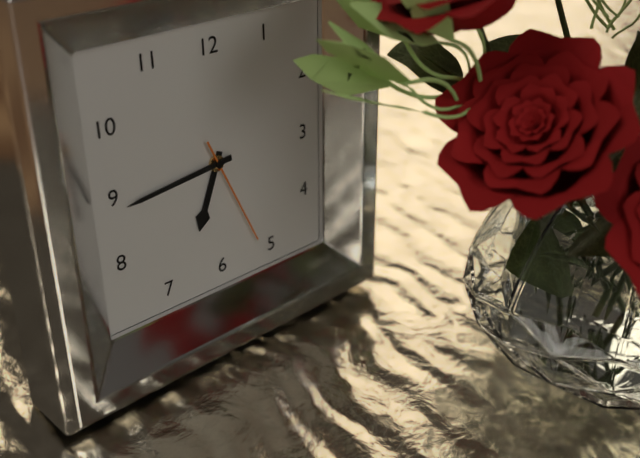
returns 6.44.26
